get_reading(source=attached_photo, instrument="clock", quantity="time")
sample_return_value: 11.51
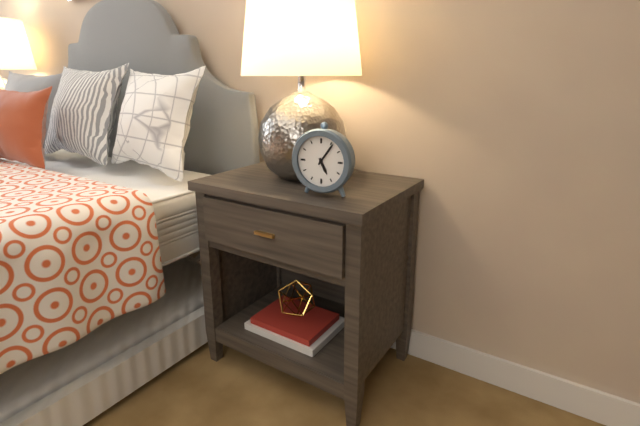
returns 5.06
